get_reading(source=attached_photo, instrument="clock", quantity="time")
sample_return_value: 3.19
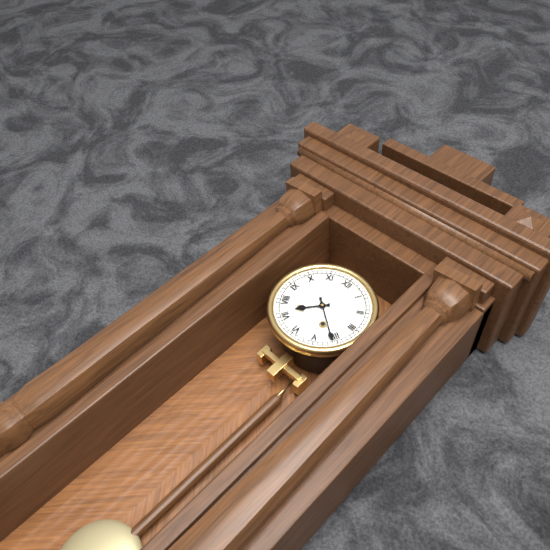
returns 7.21
